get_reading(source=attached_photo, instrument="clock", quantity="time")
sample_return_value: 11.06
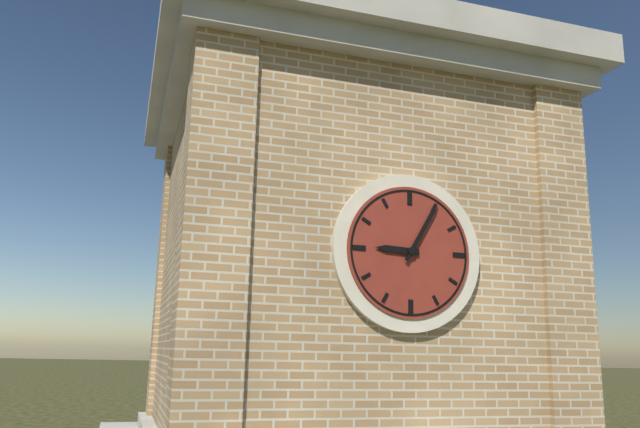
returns 9.05
